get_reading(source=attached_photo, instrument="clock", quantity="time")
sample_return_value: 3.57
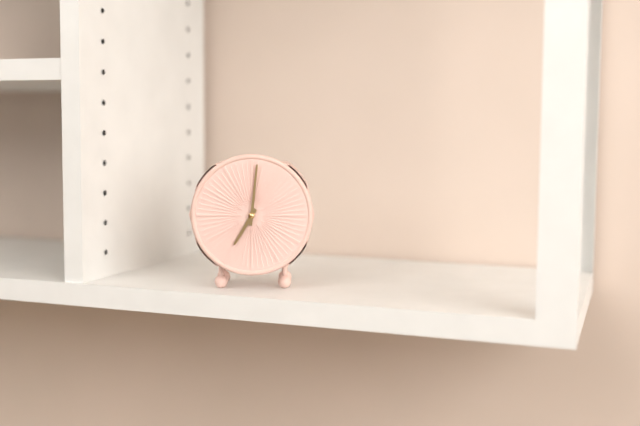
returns 7.01
